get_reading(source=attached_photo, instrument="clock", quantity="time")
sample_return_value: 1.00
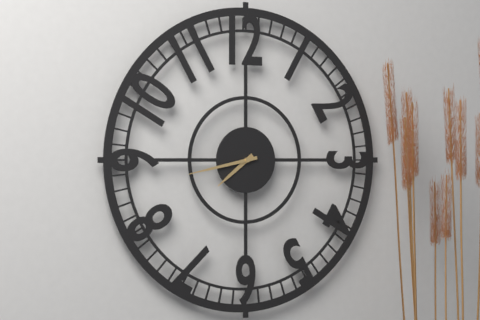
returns 7.43
